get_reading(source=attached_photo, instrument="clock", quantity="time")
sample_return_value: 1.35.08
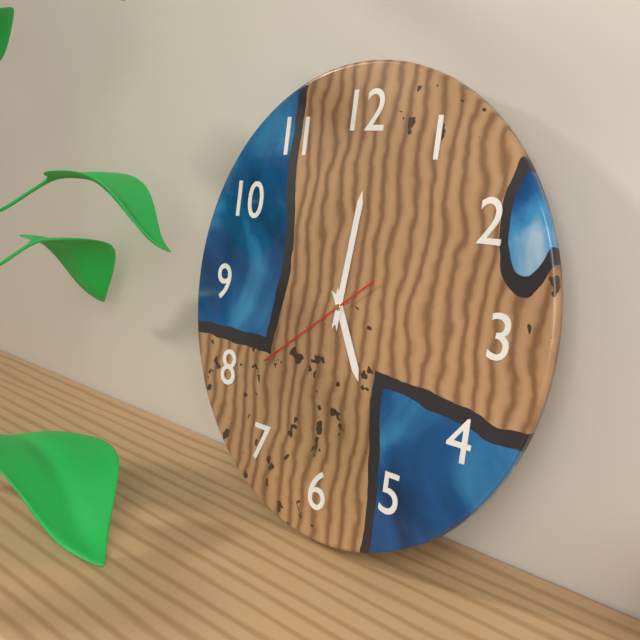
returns 5.01.39
